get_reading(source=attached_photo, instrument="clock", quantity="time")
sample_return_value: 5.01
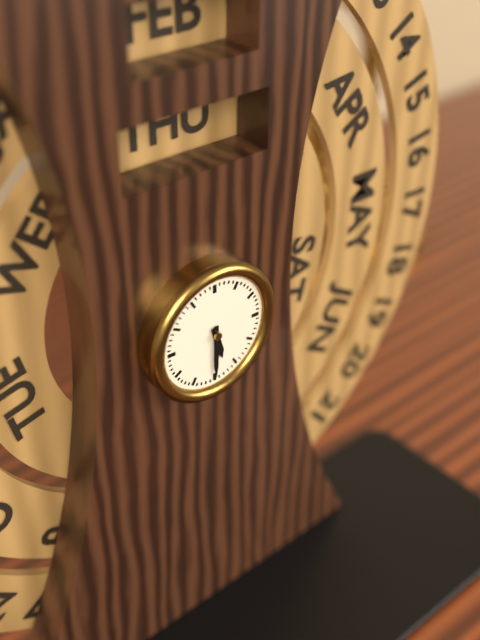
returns 5.30
